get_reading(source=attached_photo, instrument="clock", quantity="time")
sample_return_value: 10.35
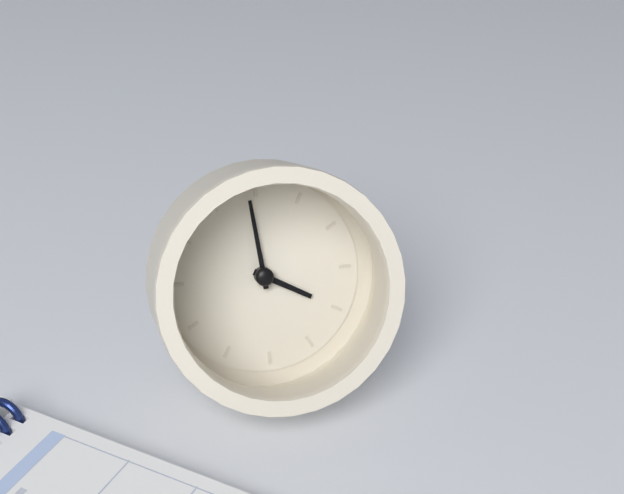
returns 3.59
